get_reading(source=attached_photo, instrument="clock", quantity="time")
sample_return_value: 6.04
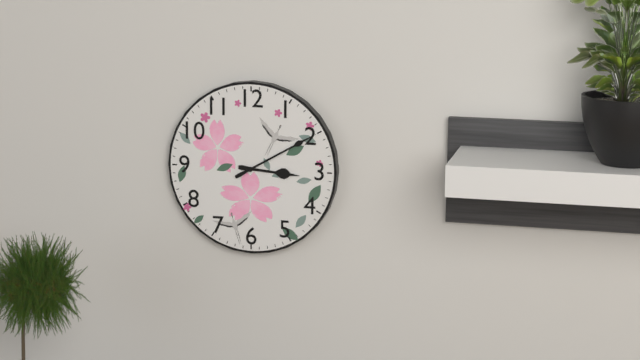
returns 3.10
